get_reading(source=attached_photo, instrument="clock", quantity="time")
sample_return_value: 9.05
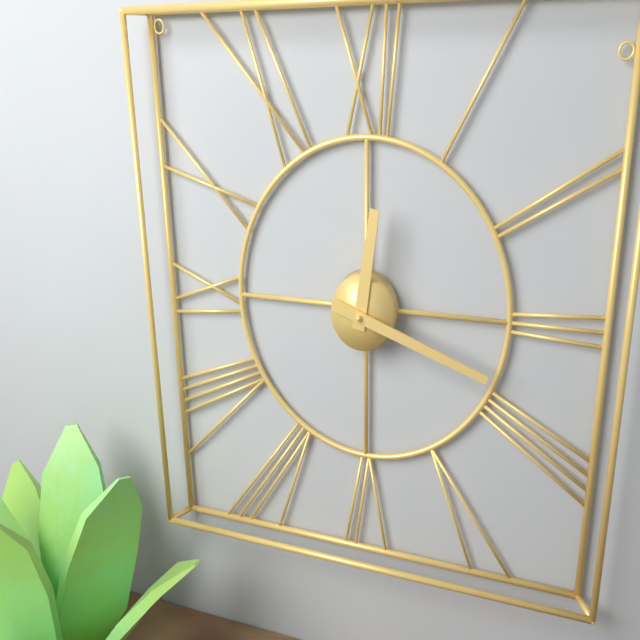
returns 12.18
